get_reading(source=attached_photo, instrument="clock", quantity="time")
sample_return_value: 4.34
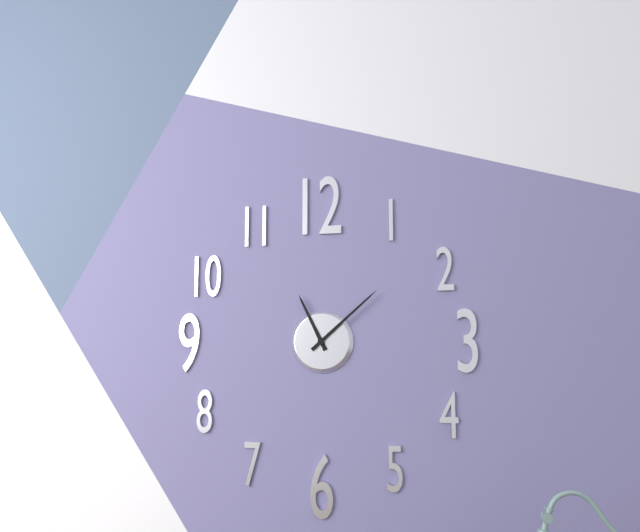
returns 11.08
